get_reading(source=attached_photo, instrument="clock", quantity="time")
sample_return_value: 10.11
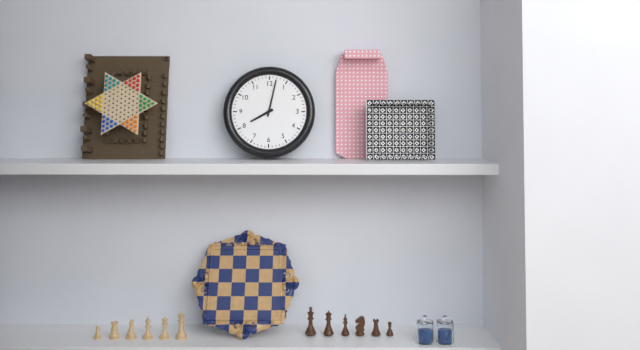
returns 8.02
